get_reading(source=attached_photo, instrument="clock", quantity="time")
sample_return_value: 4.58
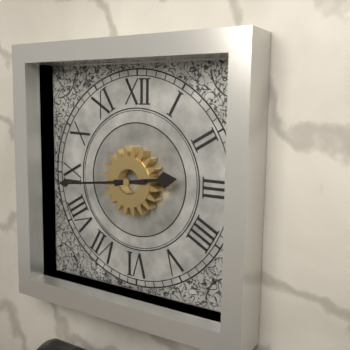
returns 2.44
